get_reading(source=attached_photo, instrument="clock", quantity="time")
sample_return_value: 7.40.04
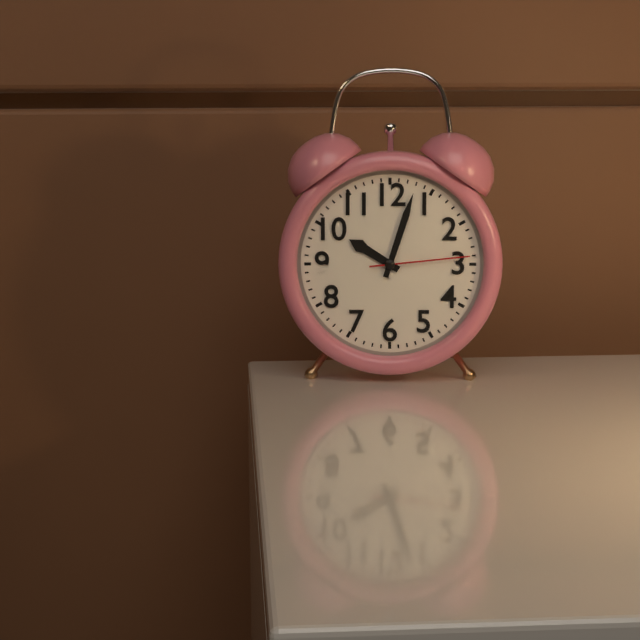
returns 10.03.14
